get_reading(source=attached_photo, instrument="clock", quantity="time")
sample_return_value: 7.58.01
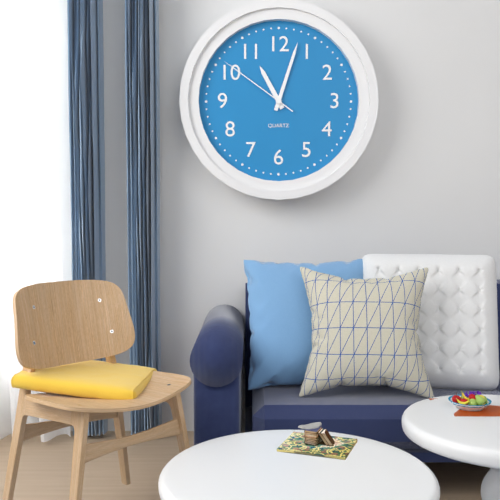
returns 11.03.51
